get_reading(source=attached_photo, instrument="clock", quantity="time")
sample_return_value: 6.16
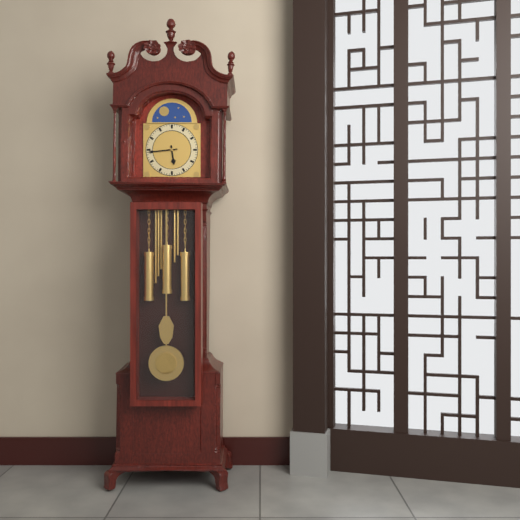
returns 5.44
